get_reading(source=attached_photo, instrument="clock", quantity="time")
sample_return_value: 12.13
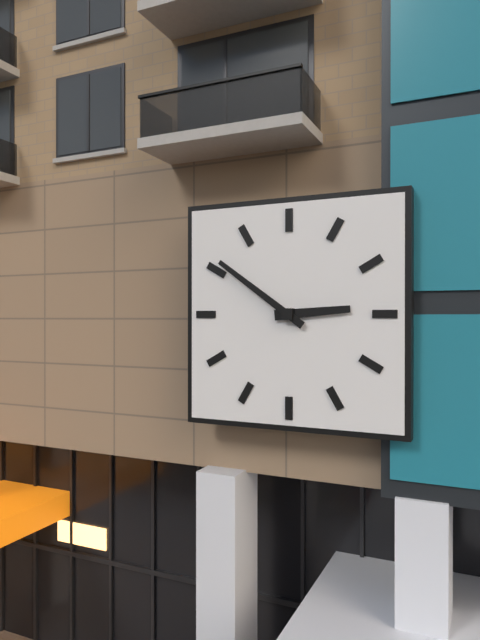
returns 2.51
